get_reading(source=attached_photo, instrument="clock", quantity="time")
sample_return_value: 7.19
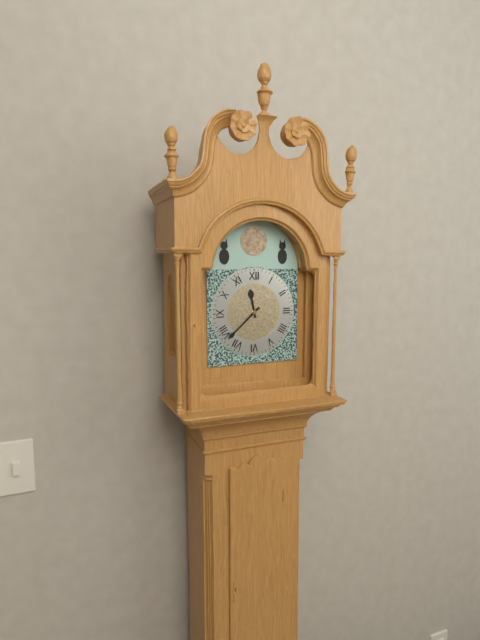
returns 11.38
